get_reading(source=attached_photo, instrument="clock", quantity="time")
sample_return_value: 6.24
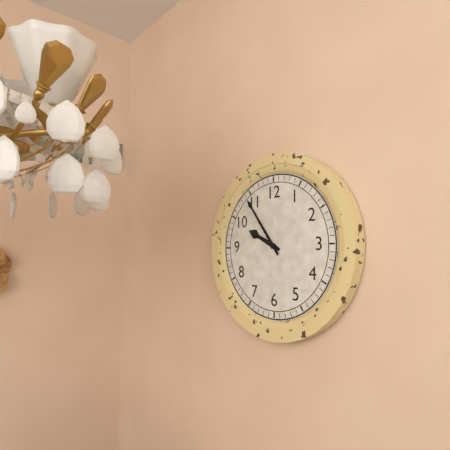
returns 9.54
